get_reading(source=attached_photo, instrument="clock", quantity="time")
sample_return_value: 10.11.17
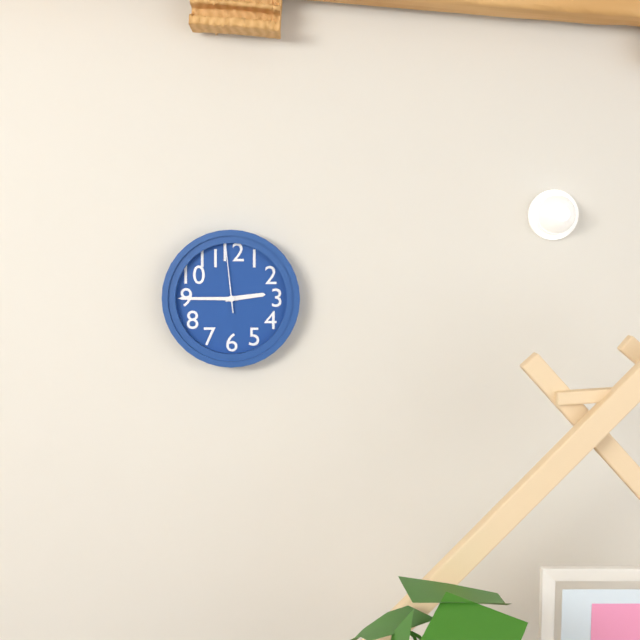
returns 2.45.59
